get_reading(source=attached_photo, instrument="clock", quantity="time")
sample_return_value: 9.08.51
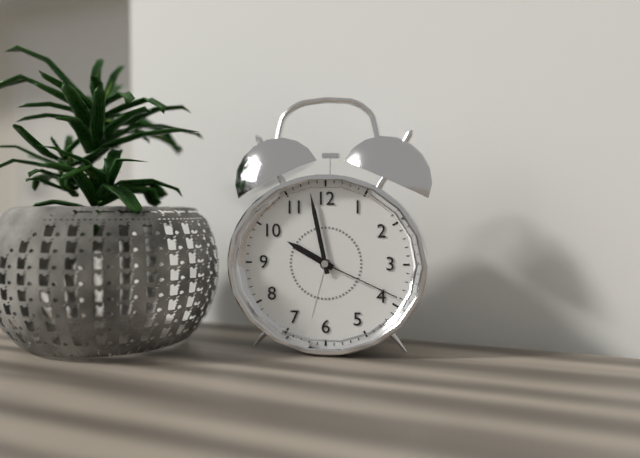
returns 9.58.19
